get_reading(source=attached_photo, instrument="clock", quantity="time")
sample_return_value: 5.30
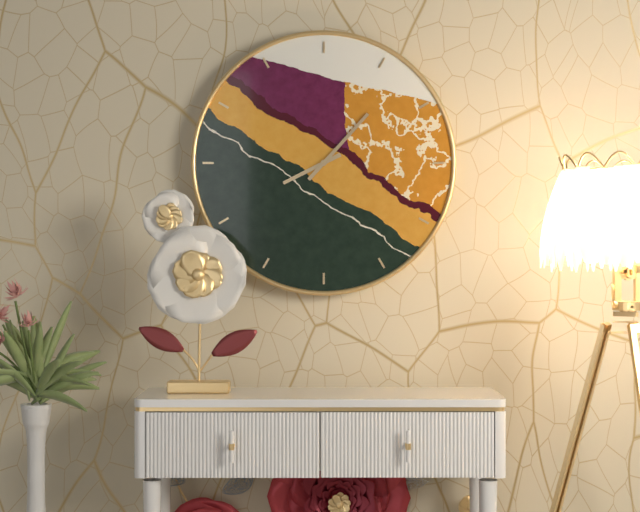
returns 8.07
